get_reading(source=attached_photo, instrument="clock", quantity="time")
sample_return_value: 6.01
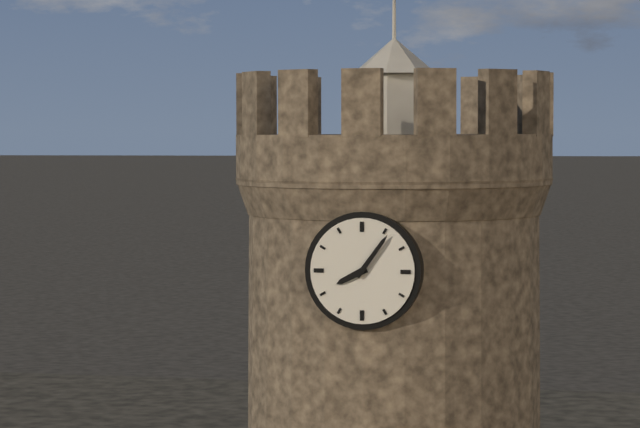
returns 8.06
